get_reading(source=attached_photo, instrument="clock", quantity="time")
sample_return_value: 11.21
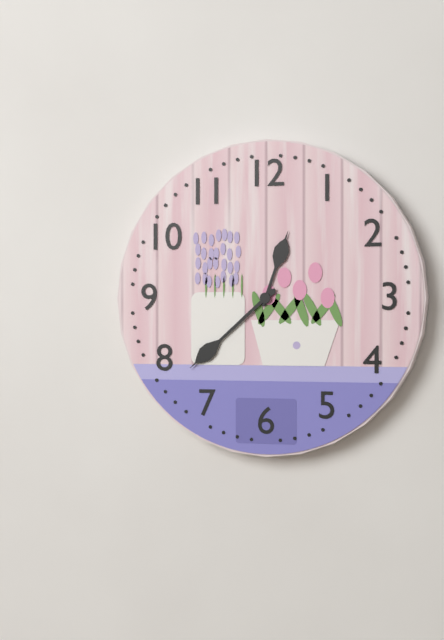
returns 12.38
